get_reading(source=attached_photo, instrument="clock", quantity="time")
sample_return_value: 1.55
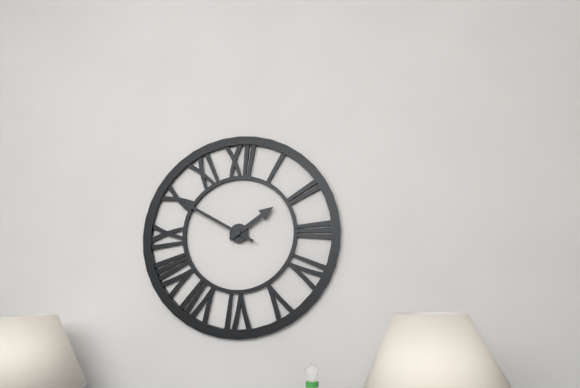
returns 1.50
